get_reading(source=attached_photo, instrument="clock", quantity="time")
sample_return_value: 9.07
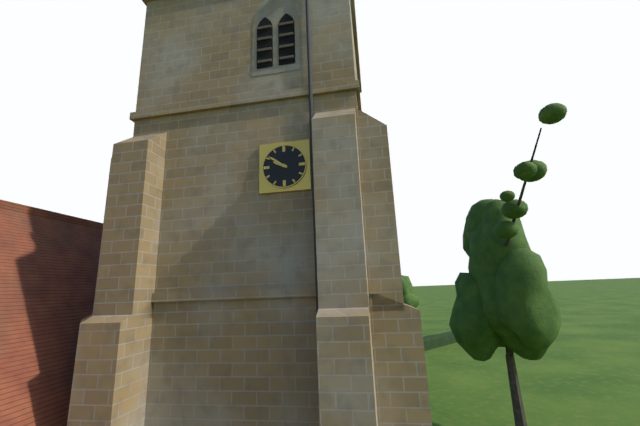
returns 9.51
